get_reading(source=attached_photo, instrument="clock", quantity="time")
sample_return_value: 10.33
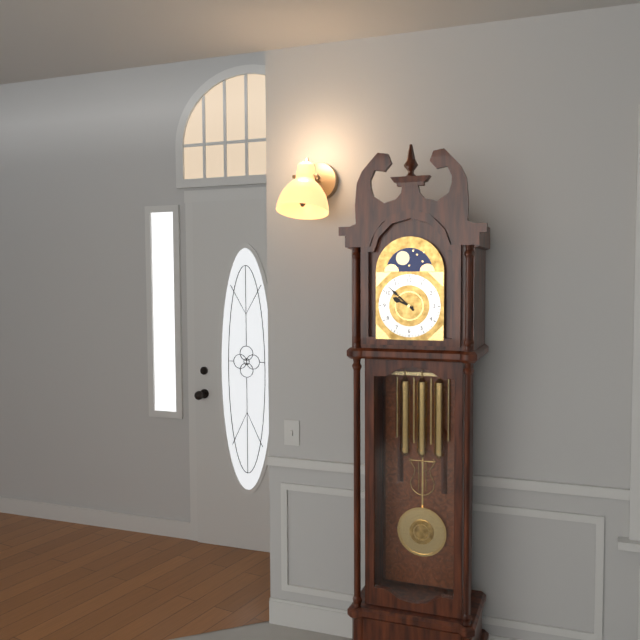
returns 9.52
